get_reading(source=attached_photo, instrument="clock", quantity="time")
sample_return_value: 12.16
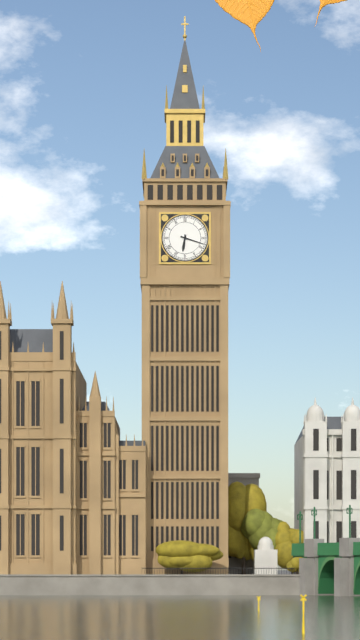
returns 6.18
